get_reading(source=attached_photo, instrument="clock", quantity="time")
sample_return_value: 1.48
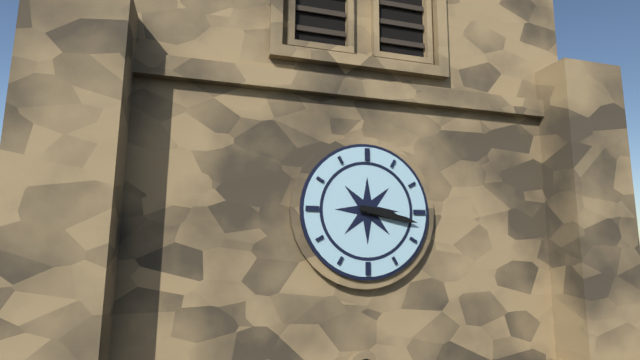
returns 3.17
